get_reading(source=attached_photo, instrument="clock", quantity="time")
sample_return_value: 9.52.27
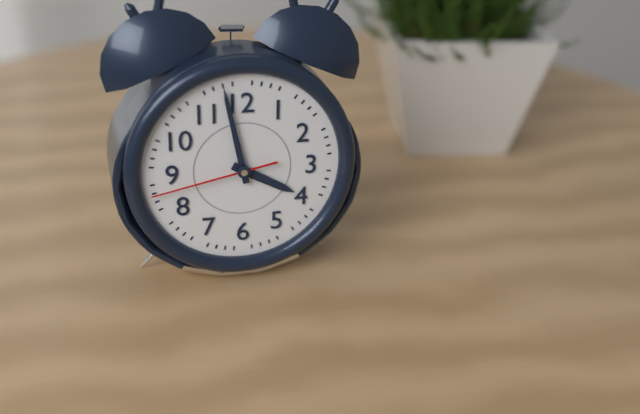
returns 3.58.43
